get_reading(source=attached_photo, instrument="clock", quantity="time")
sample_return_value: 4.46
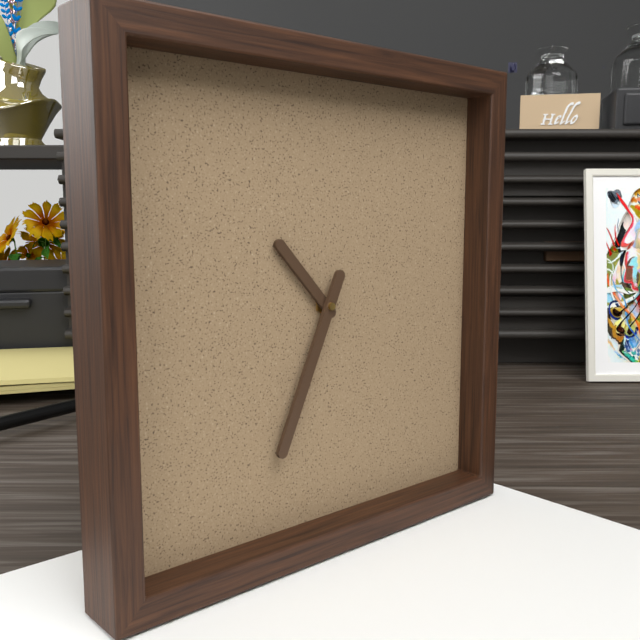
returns 10.34
